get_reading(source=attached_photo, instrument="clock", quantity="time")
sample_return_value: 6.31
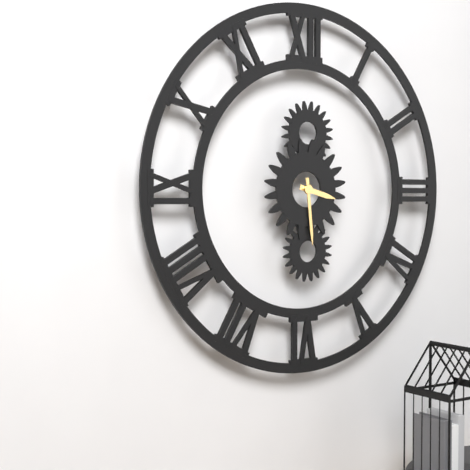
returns 3.29
